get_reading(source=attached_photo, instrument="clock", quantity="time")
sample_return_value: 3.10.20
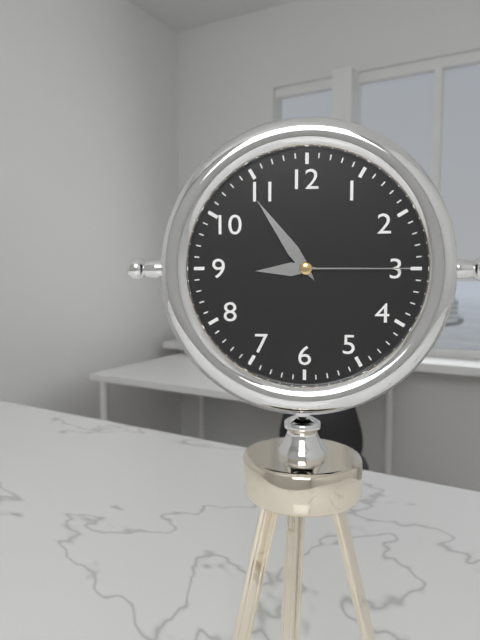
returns 8.54.15
